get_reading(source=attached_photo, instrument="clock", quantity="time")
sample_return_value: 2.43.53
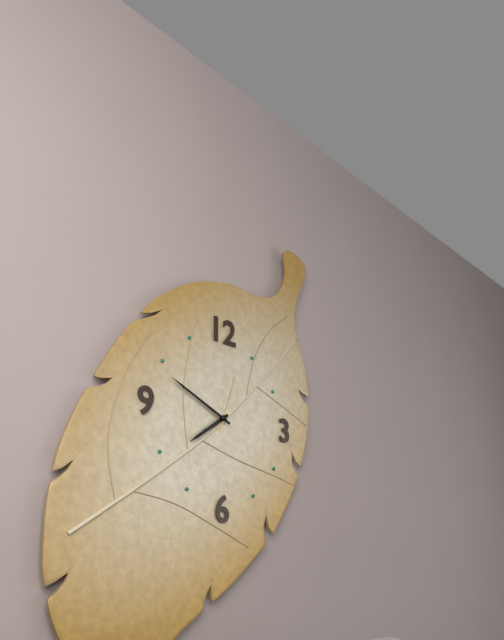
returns 7.49.03
